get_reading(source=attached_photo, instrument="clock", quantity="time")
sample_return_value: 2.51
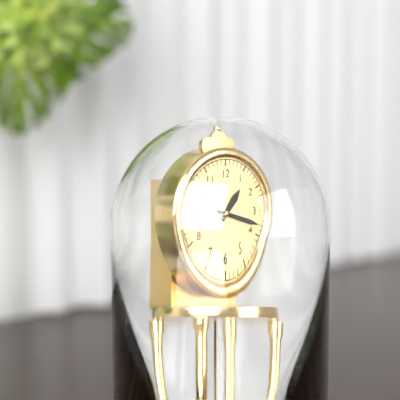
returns 1.18
